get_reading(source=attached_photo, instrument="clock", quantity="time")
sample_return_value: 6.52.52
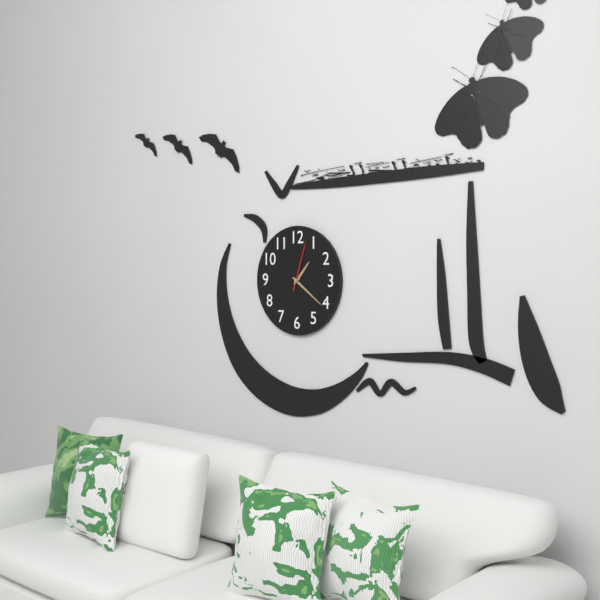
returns 1.21.03
